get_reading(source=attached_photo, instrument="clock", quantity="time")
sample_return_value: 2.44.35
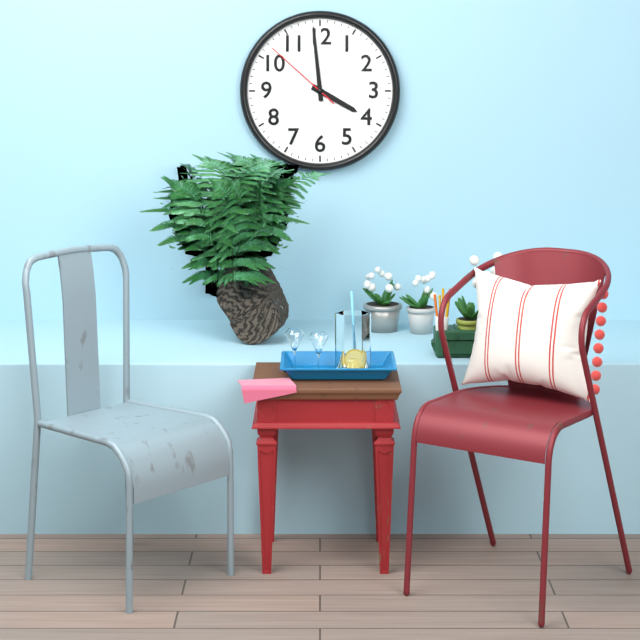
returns 3.59.52
